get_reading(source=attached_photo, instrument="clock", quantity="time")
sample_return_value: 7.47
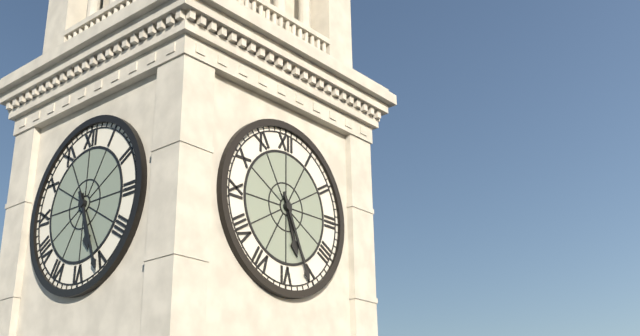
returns 5.26
